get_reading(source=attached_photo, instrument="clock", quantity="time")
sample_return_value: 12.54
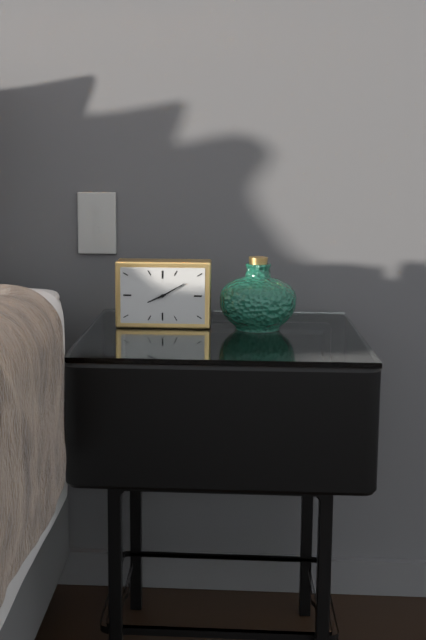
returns 8.10
